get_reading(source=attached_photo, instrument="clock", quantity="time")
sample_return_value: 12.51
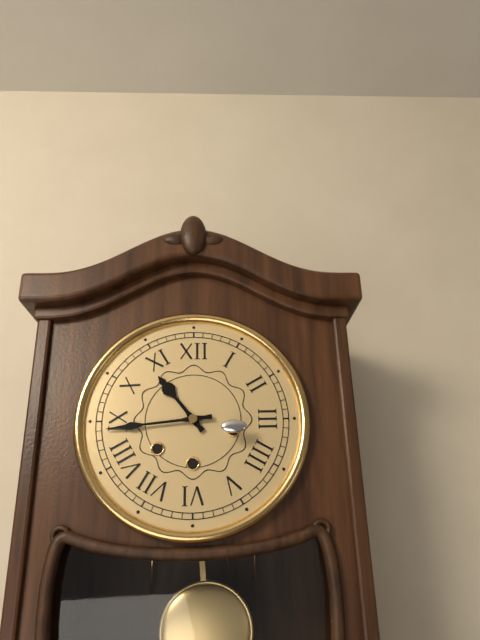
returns 10.44
